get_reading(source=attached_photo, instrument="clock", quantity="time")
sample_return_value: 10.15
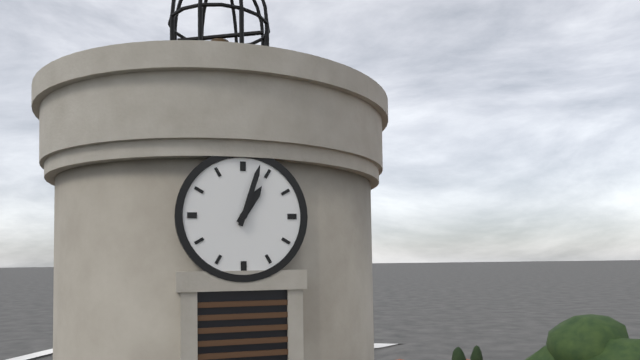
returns 1.03
